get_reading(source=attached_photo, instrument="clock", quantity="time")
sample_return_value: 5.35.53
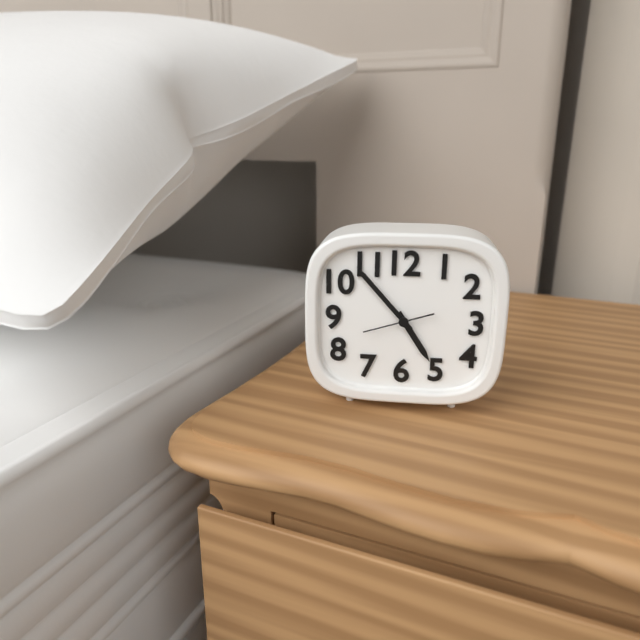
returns 4.53.42
